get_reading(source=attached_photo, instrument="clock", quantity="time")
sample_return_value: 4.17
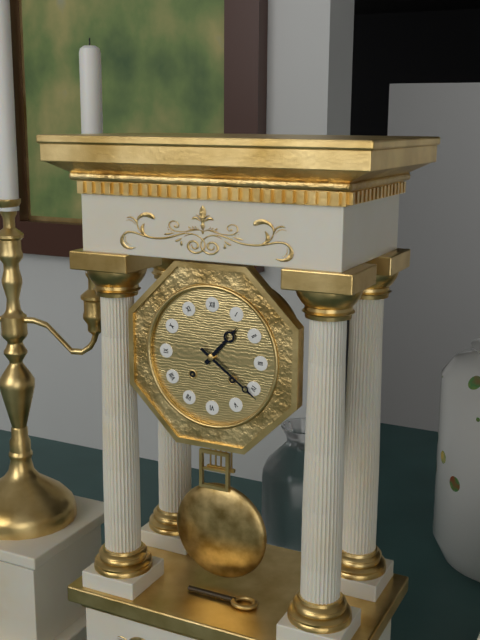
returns 1.21
